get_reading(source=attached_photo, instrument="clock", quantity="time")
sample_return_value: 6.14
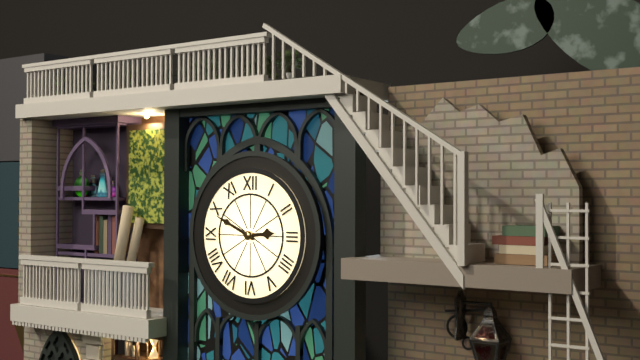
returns 2.49
